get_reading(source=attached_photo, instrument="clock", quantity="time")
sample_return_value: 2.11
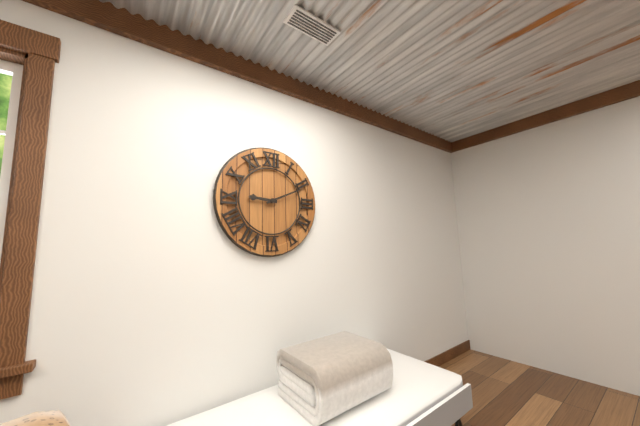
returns 9.11
